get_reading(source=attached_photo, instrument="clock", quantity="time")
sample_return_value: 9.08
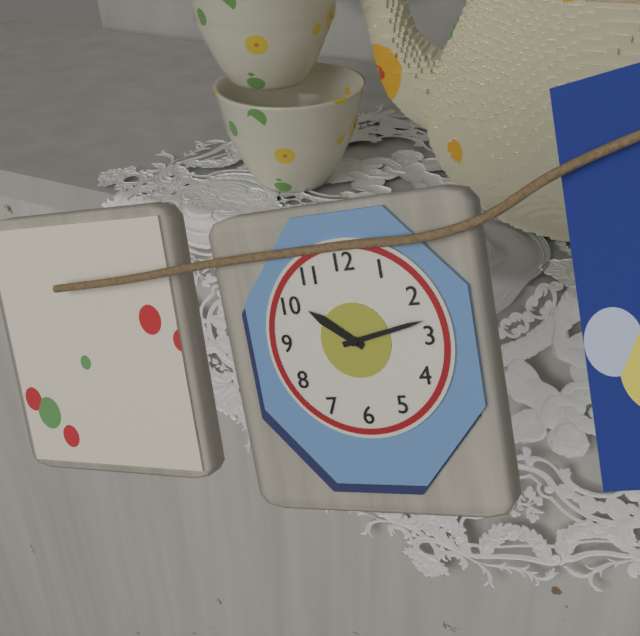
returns 10.13
